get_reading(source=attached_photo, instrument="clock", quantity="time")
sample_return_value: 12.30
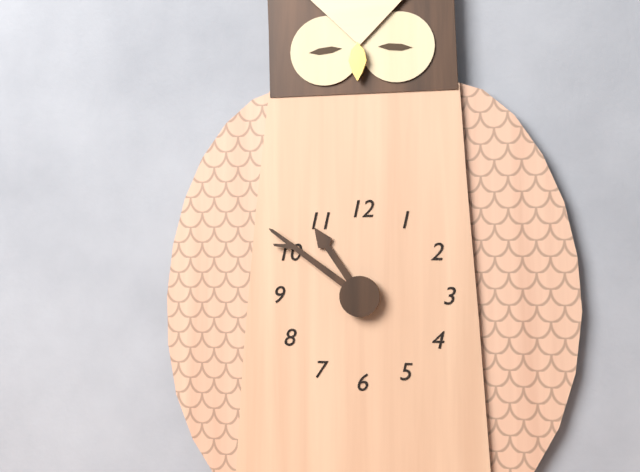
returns 10.51
